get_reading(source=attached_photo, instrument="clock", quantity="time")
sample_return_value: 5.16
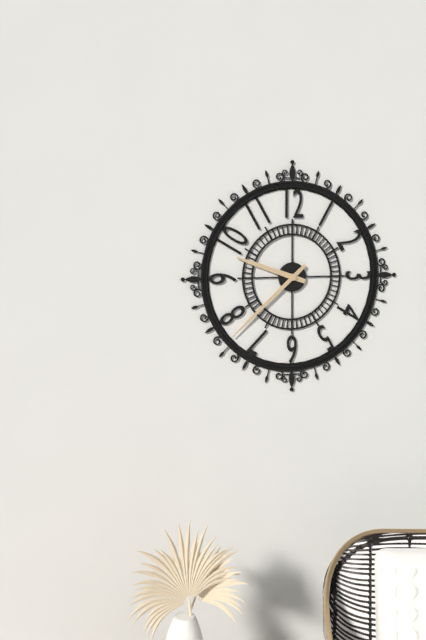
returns 9.38
